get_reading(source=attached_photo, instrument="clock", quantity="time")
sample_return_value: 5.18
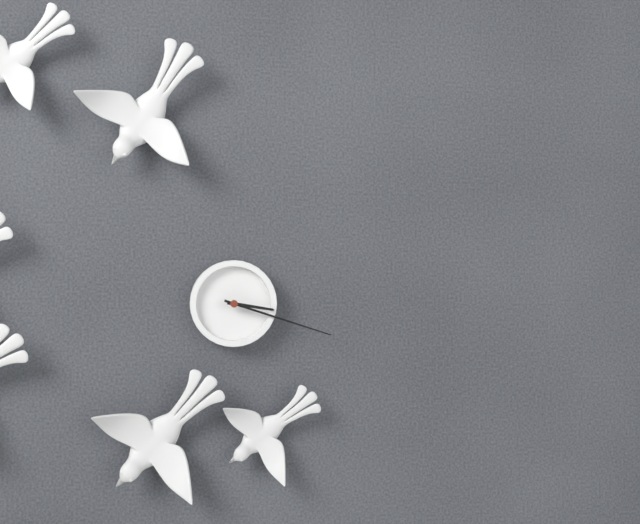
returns 3.18
